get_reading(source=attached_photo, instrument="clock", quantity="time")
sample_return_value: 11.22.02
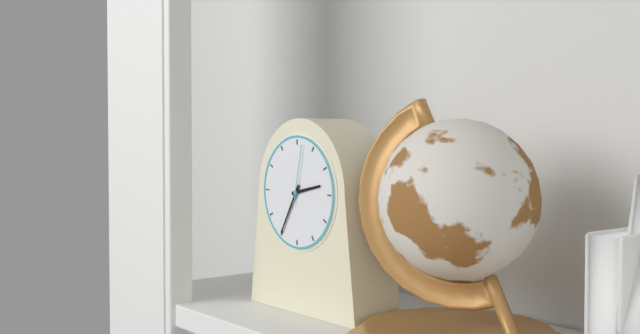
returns 2.35.02
